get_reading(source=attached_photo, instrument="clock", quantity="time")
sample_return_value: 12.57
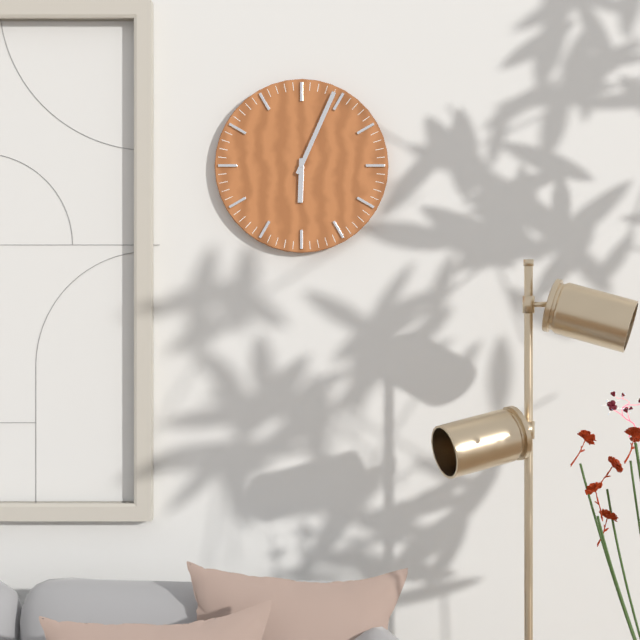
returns 6.04
